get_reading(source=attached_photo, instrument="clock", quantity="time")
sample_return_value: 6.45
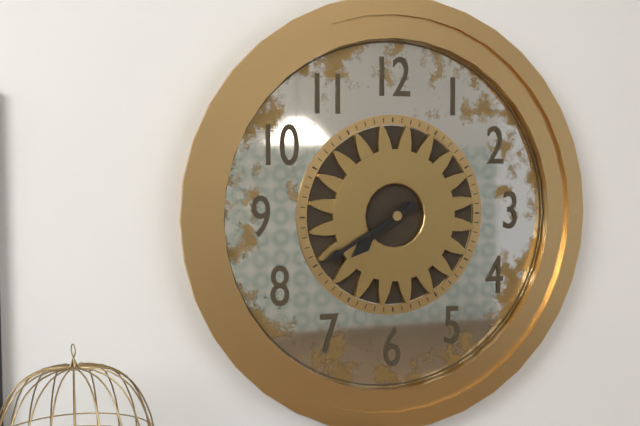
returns 7.40
